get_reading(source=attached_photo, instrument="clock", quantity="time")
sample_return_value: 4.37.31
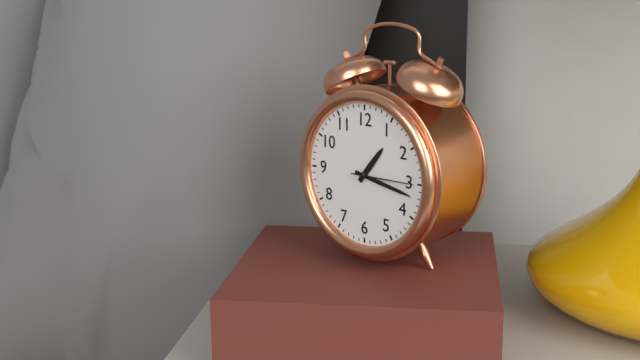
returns 1.17.15
